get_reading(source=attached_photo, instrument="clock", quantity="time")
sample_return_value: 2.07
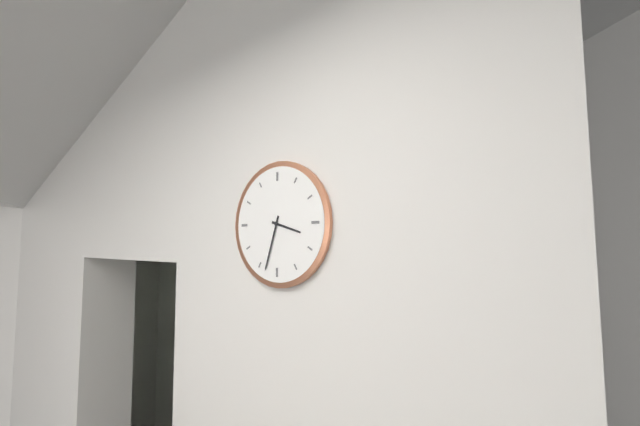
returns 3.33
